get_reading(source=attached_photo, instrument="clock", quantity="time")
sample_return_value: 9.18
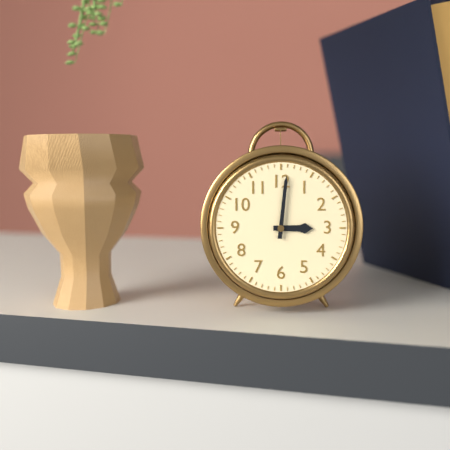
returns 3.01
